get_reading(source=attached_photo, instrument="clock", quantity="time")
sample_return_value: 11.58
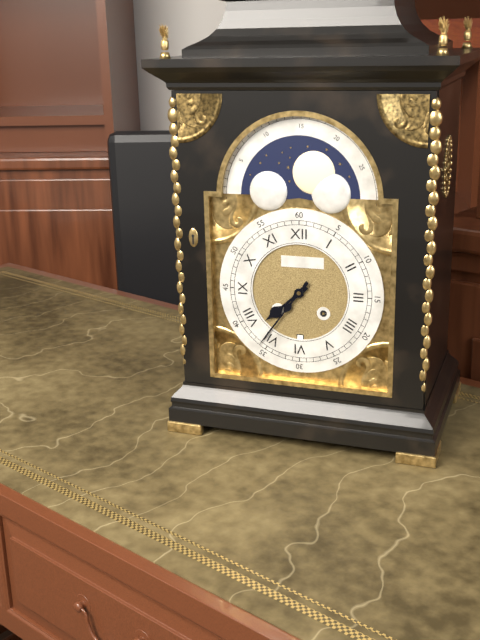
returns 7.36
